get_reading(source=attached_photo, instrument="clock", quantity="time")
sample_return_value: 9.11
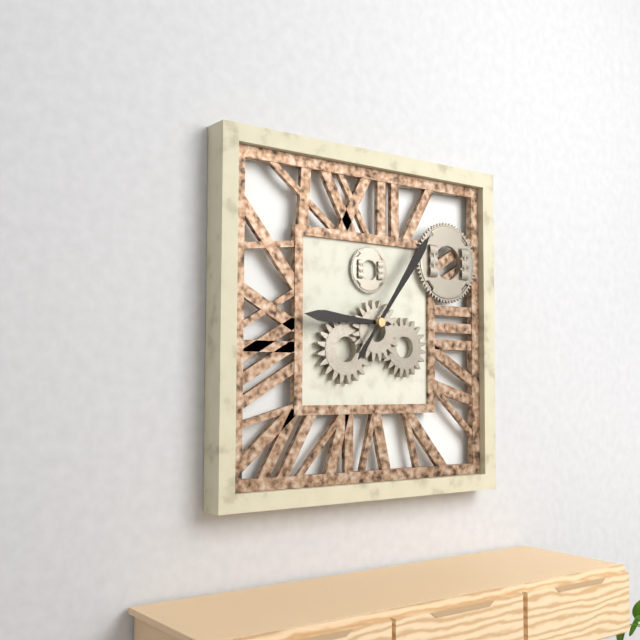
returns 9.06
